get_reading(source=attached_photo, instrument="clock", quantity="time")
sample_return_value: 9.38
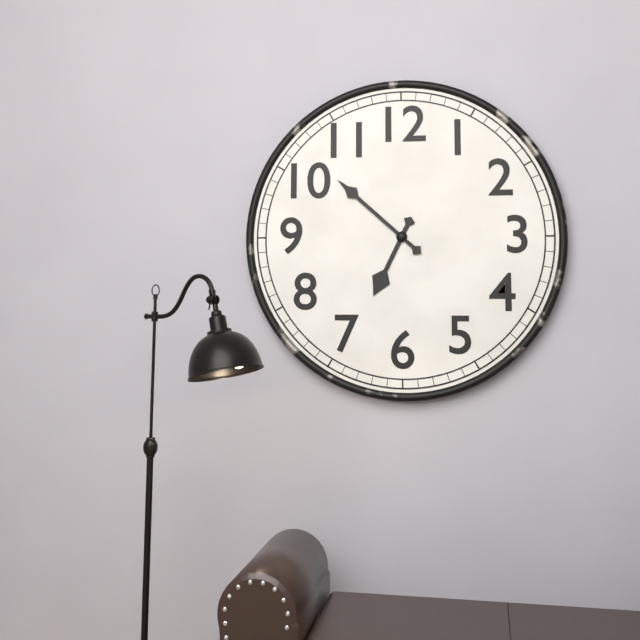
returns 6.52
